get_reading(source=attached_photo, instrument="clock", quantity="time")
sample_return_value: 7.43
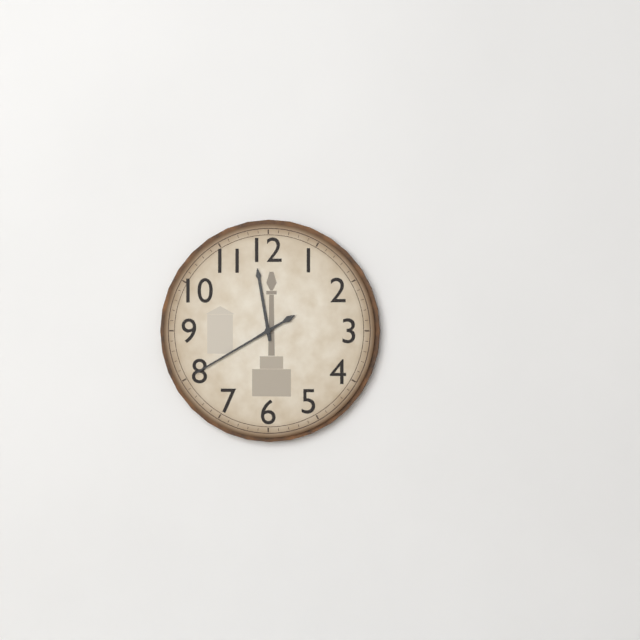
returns 11.40
